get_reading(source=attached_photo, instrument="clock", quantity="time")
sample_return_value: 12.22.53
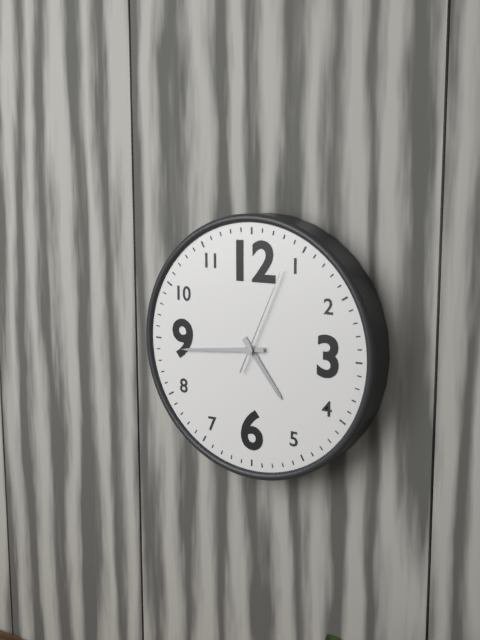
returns 4.44.04
